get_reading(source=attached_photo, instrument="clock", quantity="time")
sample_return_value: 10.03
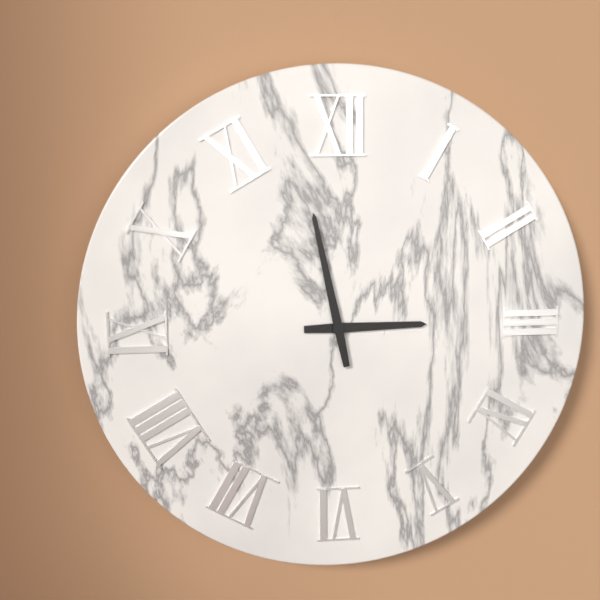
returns 2.58
